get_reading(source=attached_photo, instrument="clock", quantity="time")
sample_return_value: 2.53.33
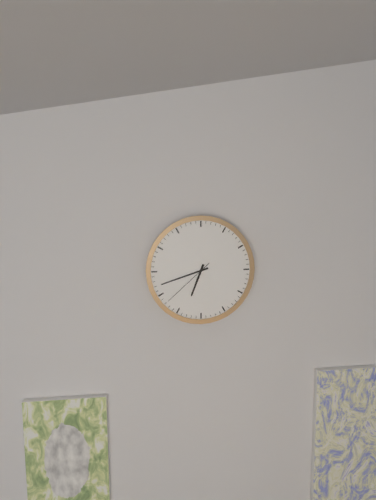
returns 6.42.38
